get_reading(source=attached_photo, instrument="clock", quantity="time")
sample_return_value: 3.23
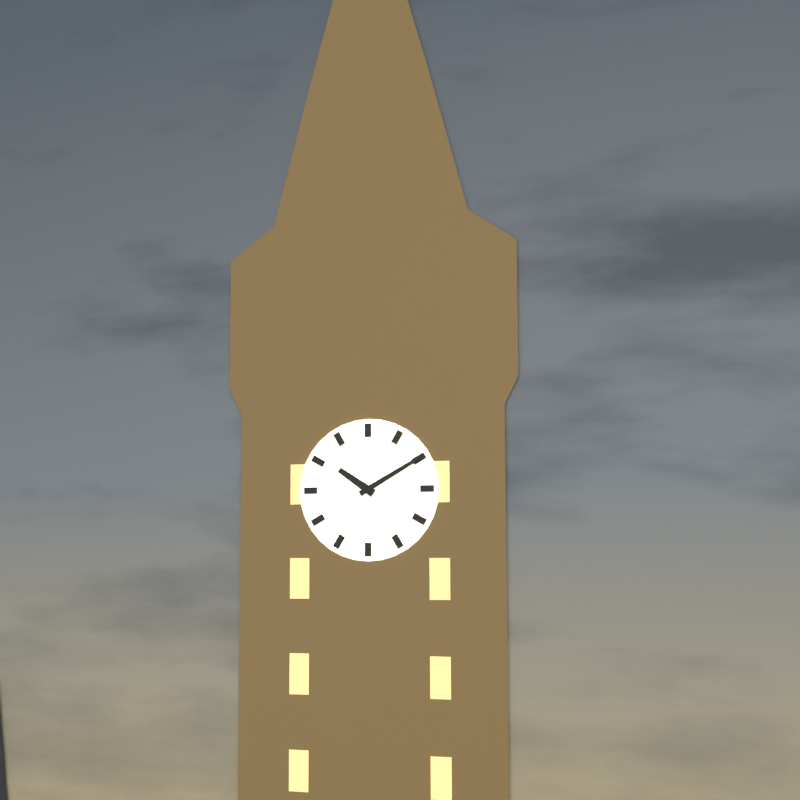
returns 10.10
